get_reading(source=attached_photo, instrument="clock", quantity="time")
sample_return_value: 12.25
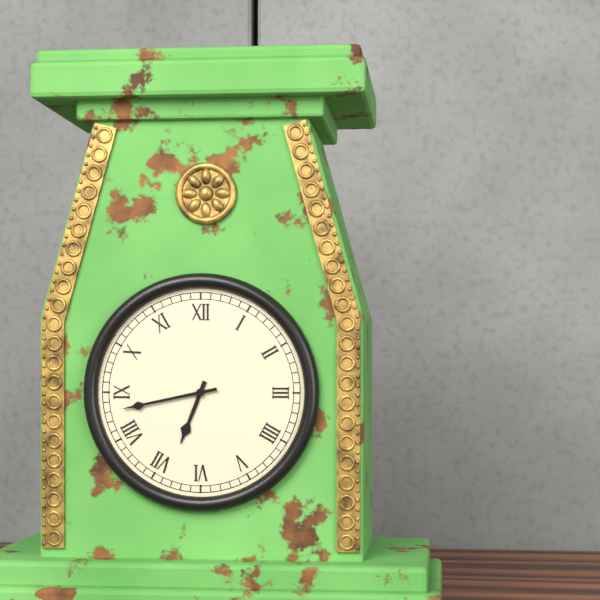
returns 6.43
